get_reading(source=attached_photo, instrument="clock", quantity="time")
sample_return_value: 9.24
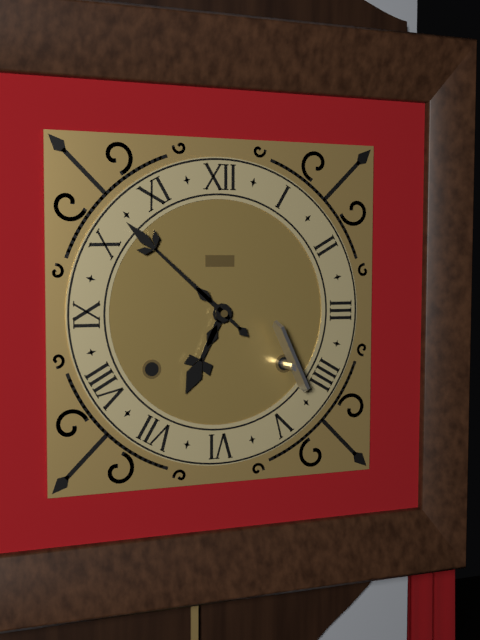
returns 6.52
